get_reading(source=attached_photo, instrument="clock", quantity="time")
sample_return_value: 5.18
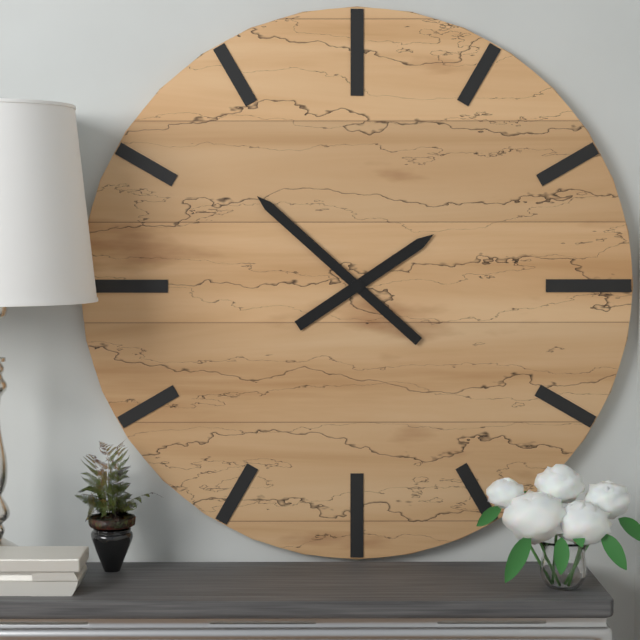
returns 1.52
